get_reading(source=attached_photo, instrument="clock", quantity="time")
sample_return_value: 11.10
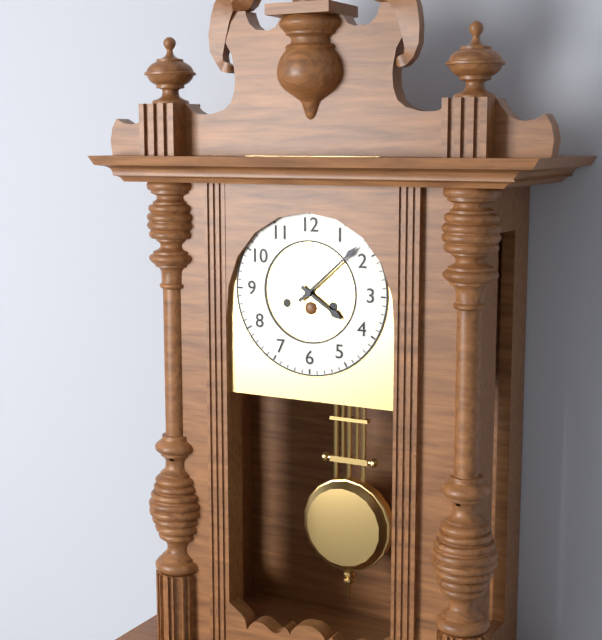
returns 4.08
